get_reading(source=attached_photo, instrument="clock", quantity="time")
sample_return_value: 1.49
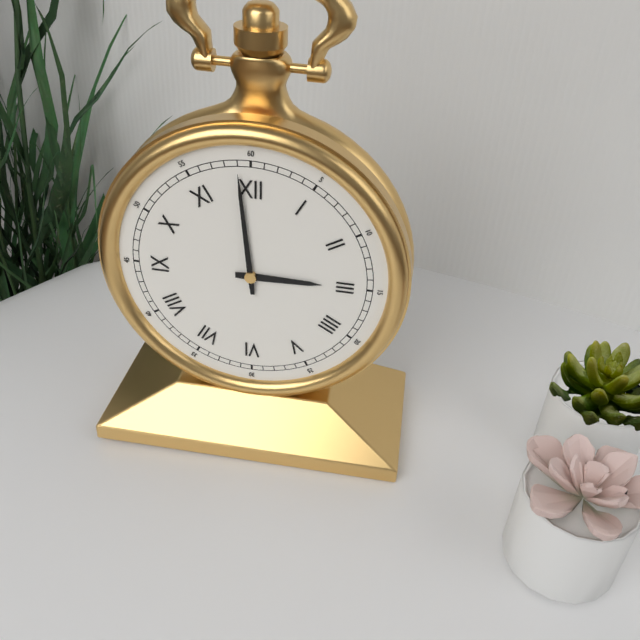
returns 2.59
